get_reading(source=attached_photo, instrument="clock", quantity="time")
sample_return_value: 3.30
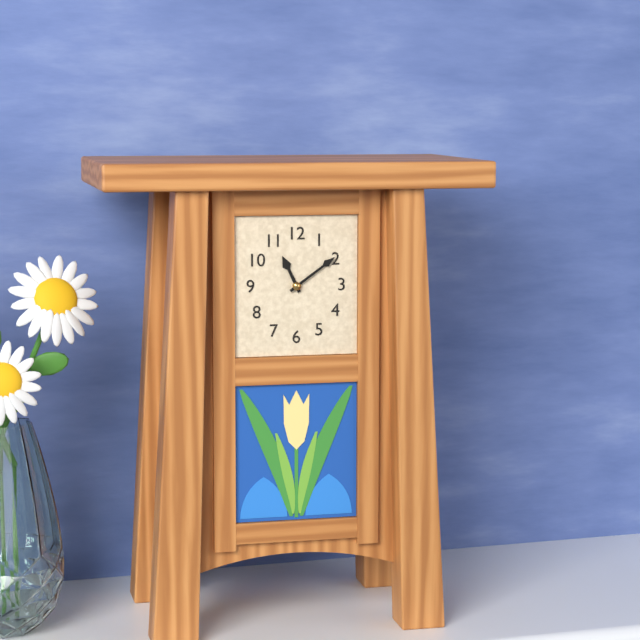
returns 11.09
